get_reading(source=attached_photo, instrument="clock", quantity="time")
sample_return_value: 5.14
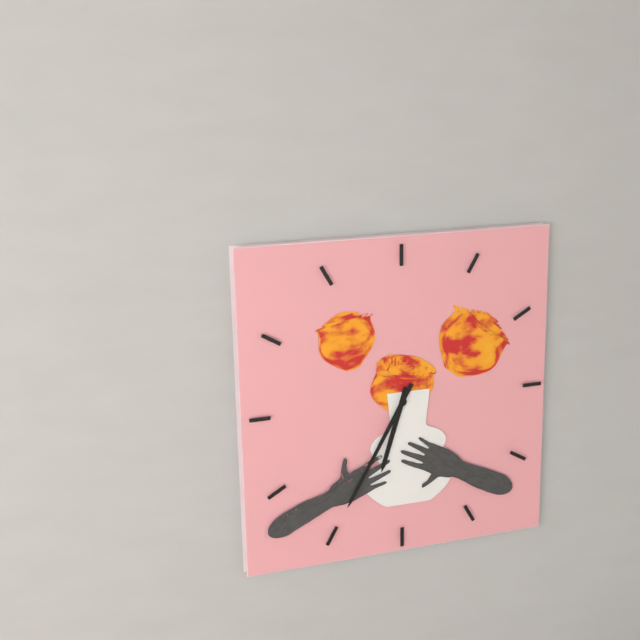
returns 6.35
